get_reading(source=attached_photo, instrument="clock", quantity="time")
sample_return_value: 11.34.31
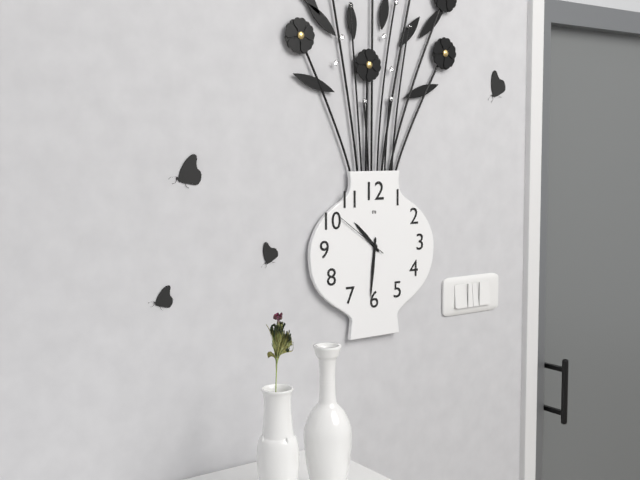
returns 10.31.51
